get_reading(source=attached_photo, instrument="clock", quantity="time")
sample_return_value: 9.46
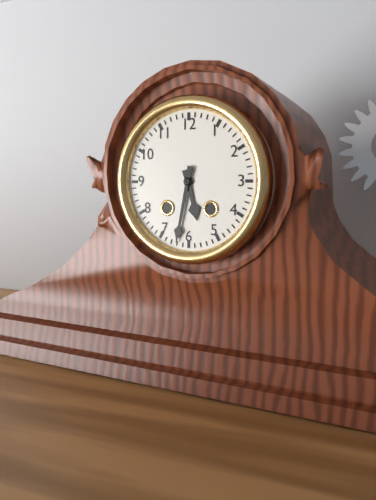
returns 5.32
